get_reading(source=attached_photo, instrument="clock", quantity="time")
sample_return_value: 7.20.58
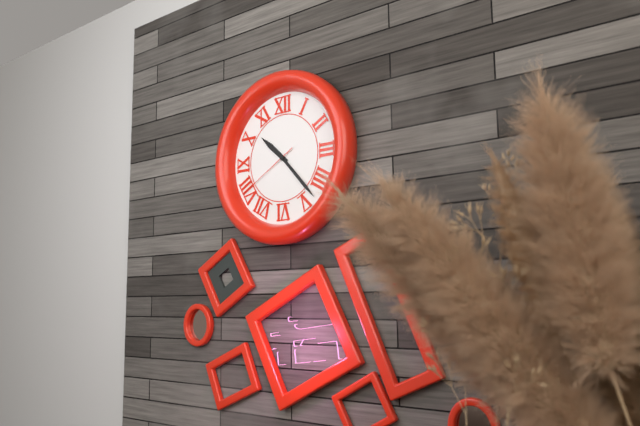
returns 10.23.40
